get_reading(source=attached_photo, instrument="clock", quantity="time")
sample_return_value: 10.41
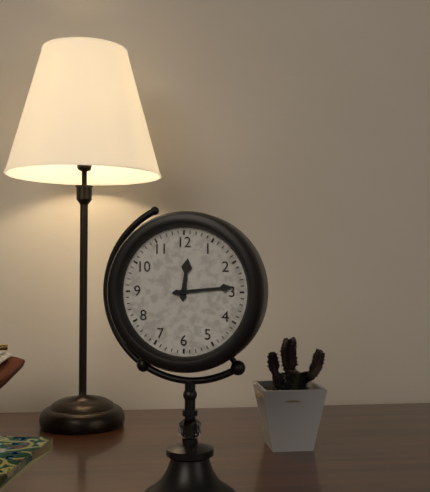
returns 12.14
